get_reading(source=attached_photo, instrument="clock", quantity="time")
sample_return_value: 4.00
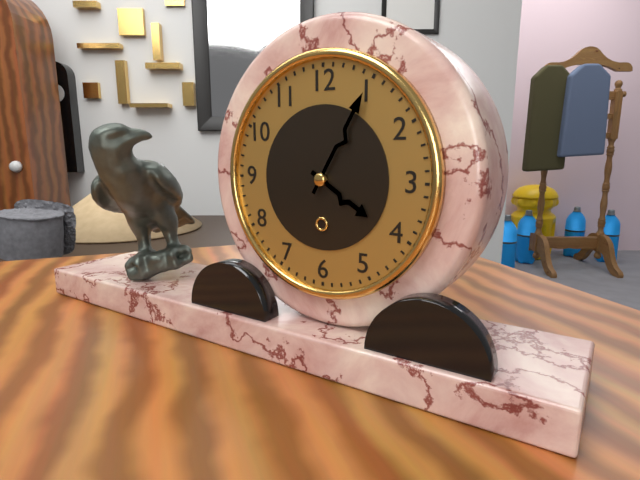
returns 4.05
